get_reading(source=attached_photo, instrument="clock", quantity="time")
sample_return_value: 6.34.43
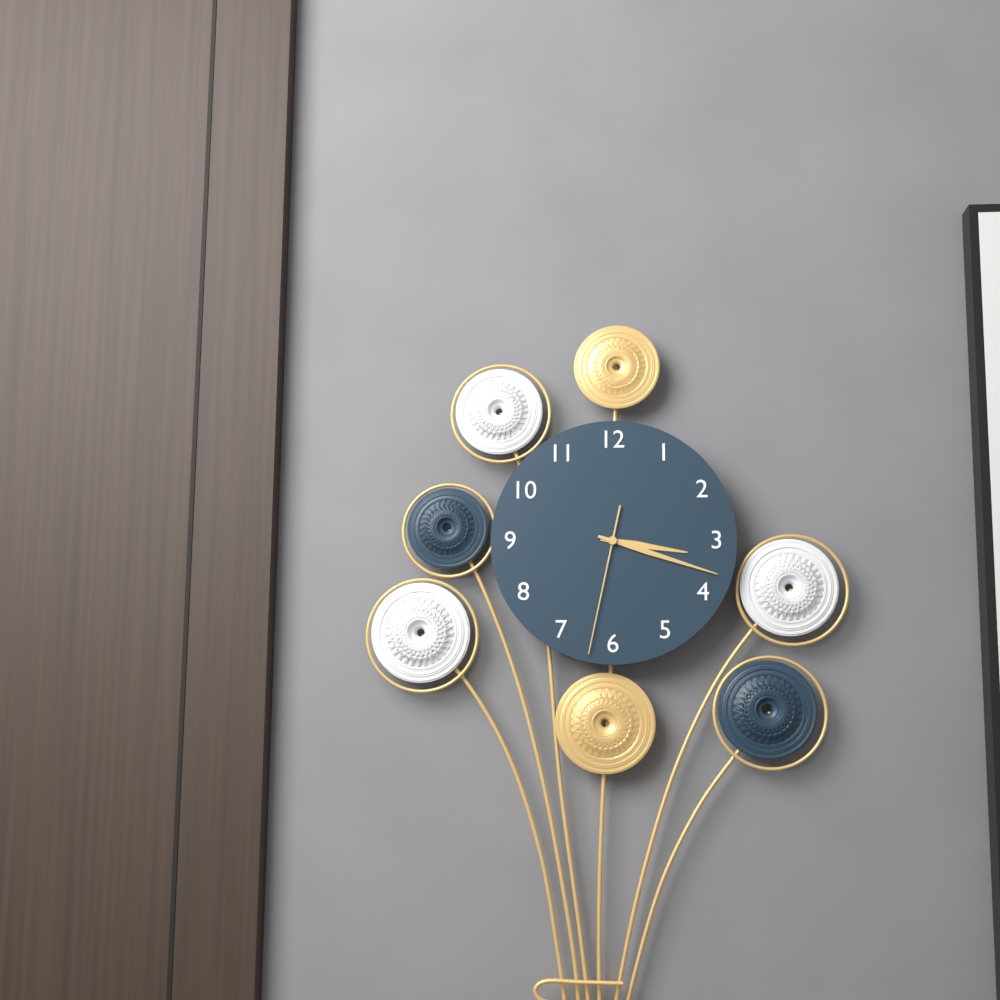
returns 3.18.32
